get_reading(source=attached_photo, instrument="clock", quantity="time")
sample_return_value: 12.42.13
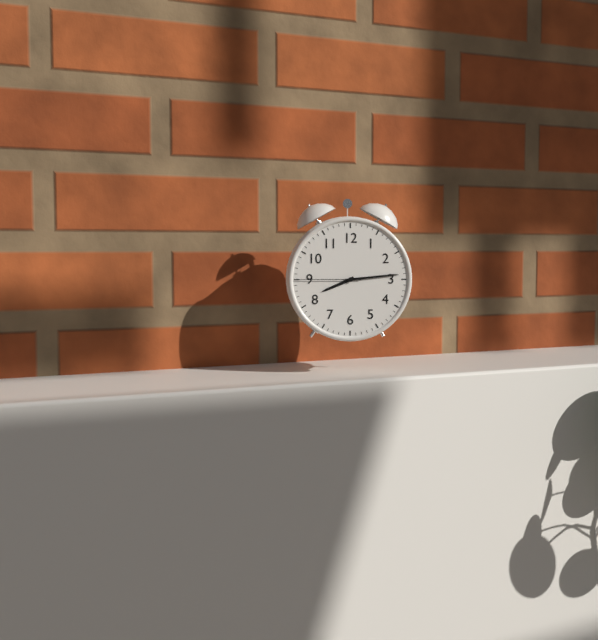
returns 8.14.45
